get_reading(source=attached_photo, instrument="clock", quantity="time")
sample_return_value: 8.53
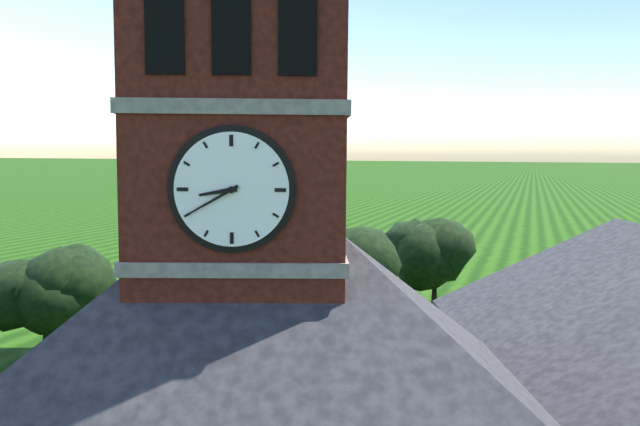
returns 8.40
